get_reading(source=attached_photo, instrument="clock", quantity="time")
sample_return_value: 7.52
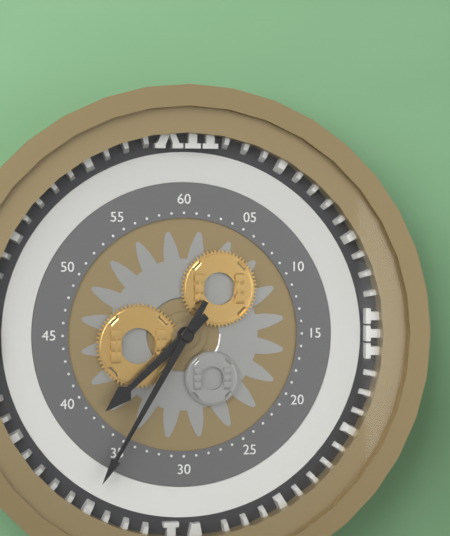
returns 7.35
